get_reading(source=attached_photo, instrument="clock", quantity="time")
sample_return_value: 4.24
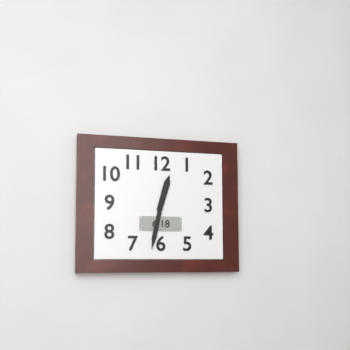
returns 12.32
